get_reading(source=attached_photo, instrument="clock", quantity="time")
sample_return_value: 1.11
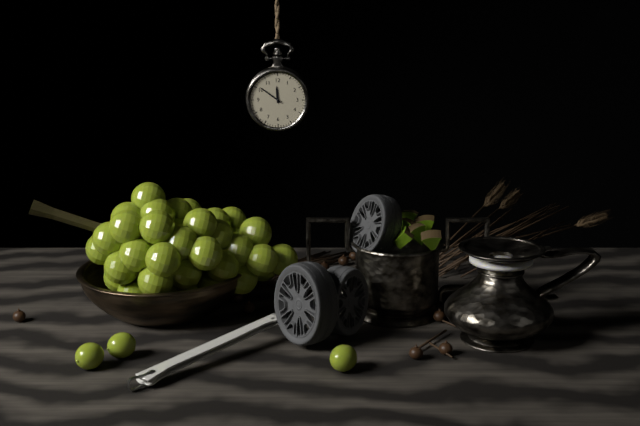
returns 11.51
